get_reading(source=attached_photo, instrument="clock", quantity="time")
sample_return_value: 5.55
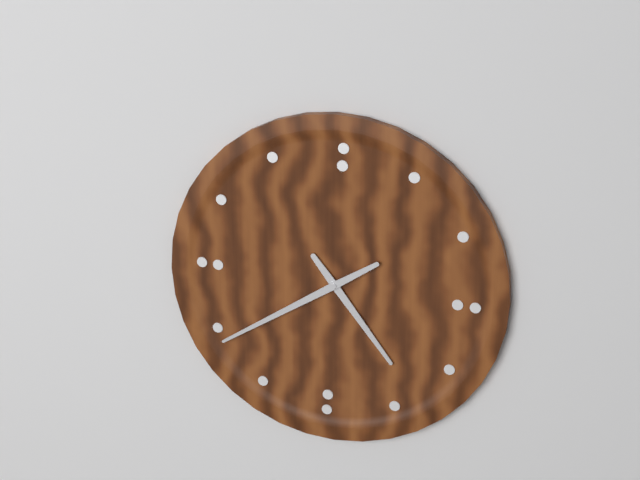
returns 4.39
